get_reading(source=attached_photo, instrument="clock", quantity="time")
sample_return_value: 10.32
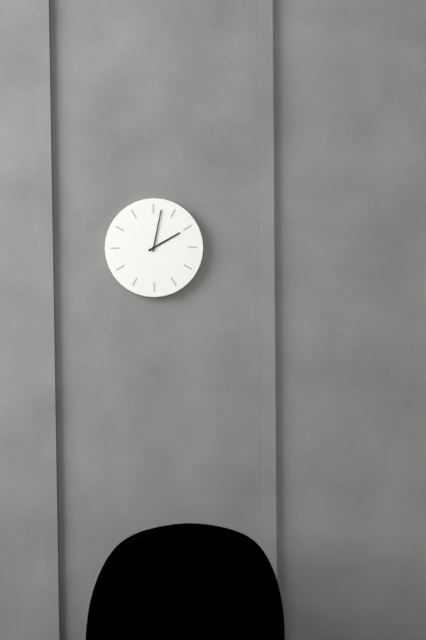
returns 2.02
